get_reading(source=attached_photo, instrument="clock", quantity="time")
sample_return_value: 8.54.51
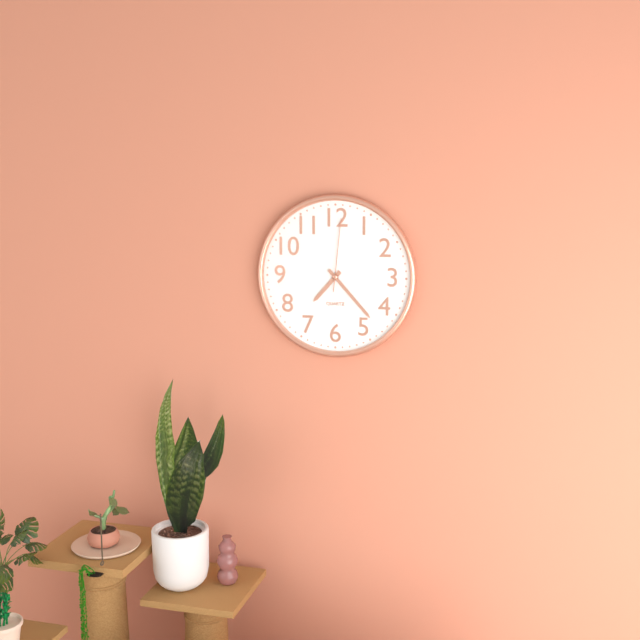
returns 7.23.01
